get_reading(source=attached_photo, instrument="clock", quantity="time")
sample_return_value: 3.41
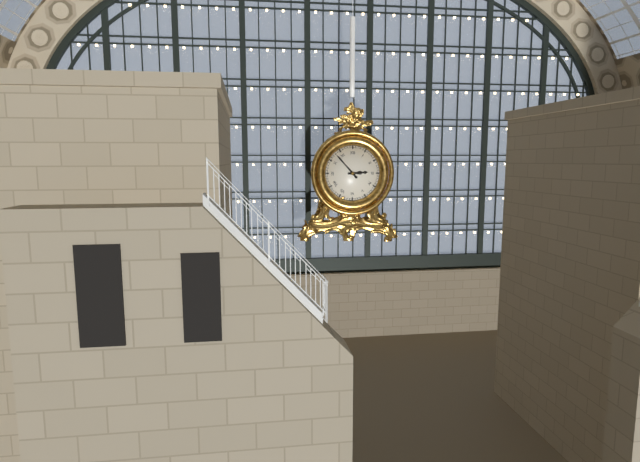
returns 2.53
